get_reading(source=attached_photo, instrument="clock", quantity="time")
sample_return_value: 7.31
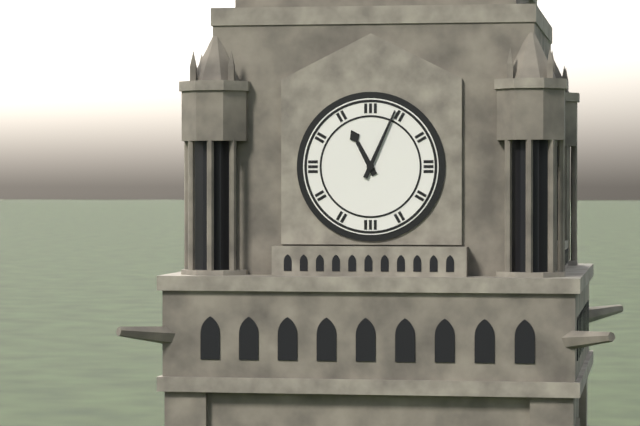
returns 11.04
